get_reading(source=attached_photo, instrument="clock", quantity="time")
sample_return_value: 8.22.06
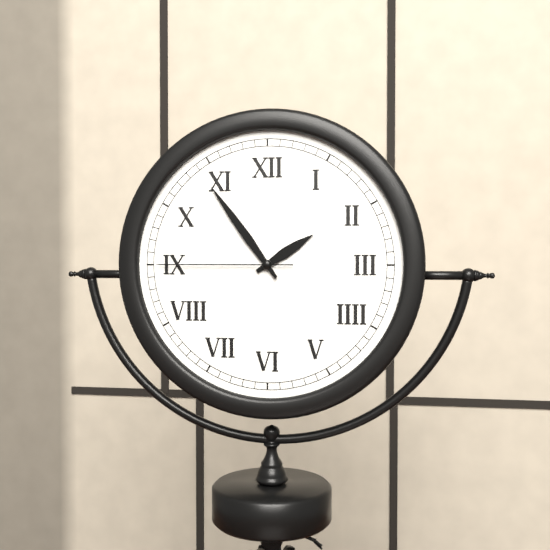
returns 1.54.45
